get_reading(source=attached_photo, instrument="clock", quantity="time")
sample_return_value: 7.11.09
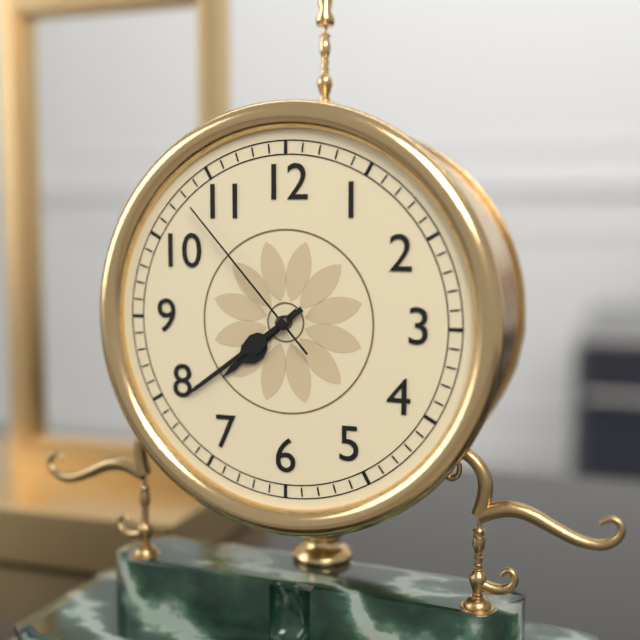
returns 7.39.53
